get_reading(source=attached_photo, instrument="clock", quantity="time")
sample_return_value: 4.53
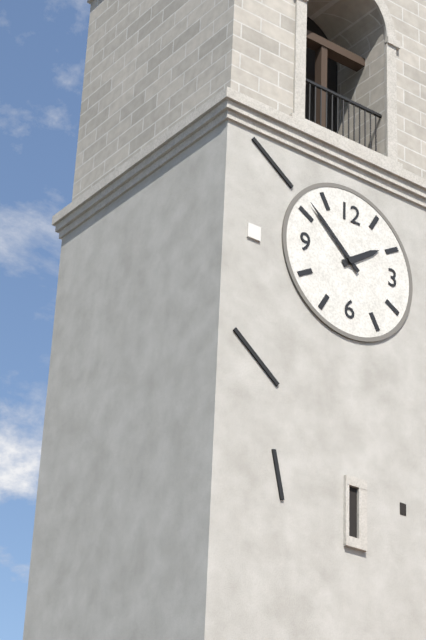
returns 1.52
